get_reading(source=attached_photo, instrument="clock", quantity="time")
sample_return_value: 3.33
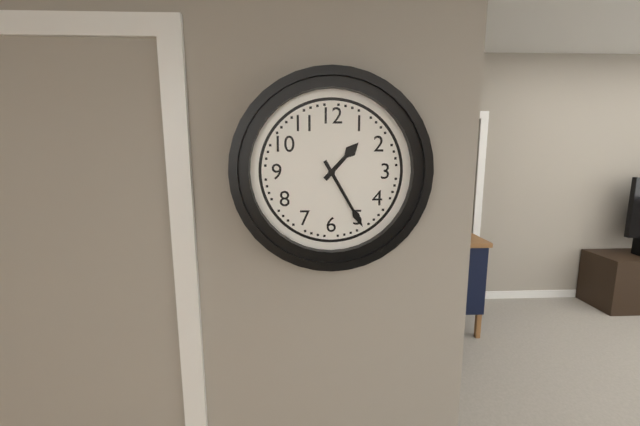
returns 1.25
